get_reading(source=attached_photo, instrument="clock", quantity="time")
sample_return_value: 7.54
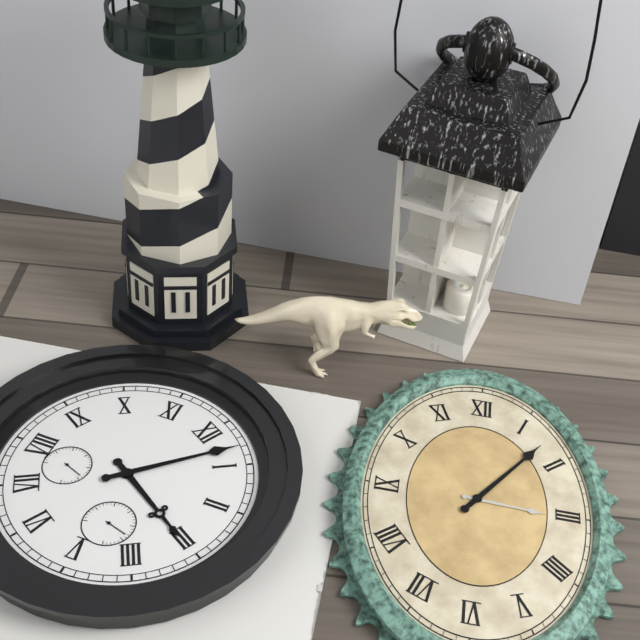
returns 3.03
